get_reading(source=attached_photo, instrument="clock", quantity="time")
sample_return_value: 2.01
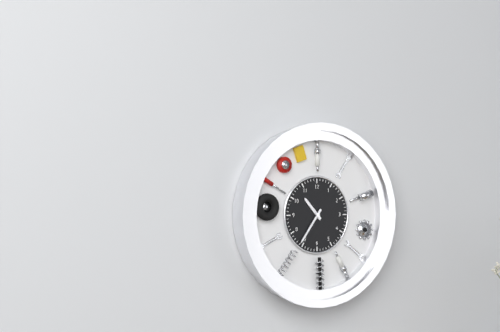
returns 10.36
